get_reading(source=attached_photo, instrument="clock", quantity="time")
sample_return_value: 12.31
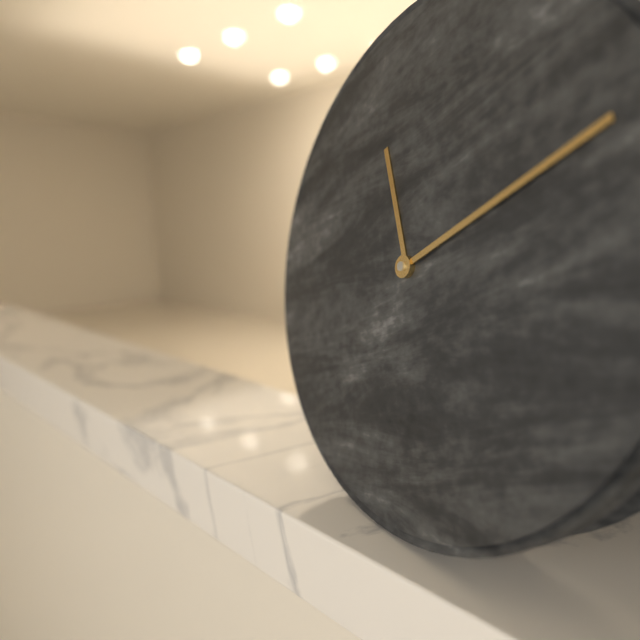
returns 11.10
